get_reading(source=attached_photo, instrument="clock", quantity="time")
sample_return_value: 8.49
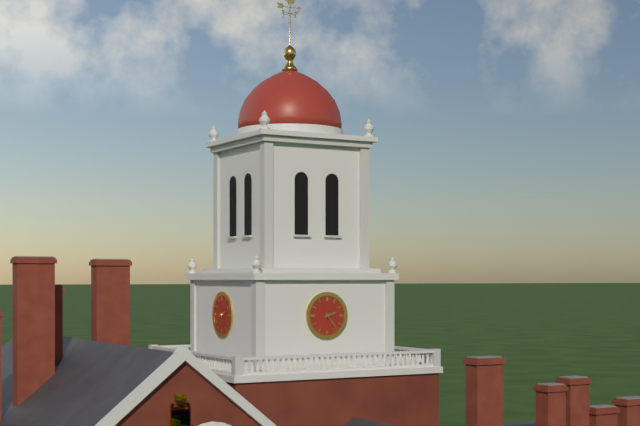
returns 2.24
